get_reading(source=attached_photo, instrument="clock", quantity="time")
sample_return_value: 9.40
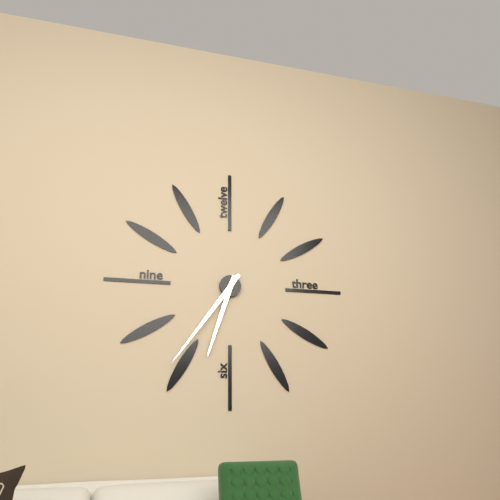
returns 6.36
